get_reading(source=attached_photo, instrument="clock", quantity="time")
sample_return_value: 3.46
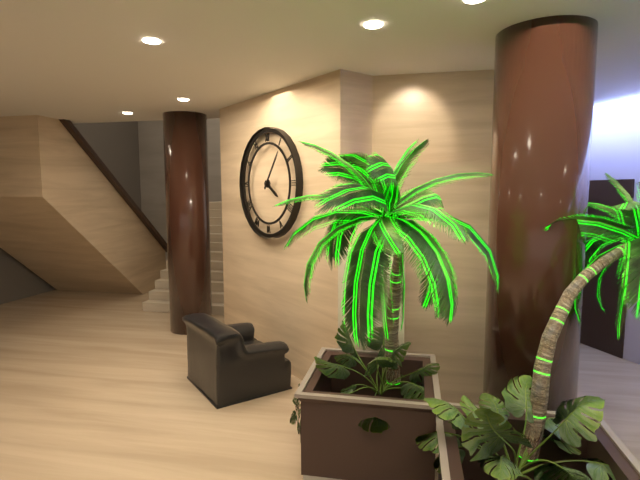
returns 4.06
